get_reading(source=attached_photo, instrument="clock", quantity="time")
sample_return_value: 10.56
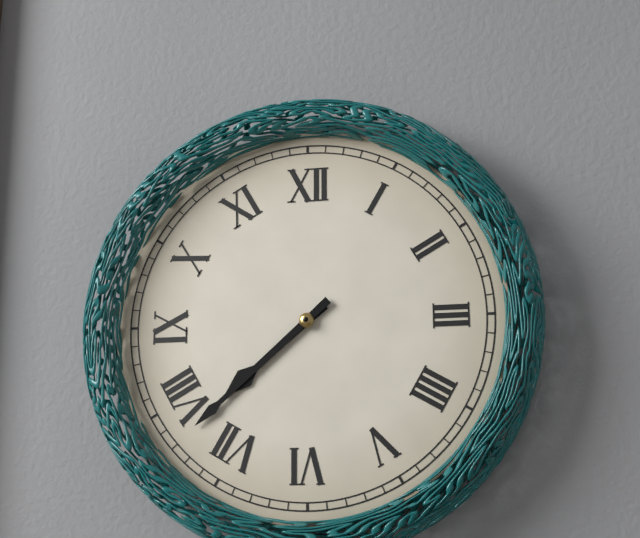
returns 7.38
